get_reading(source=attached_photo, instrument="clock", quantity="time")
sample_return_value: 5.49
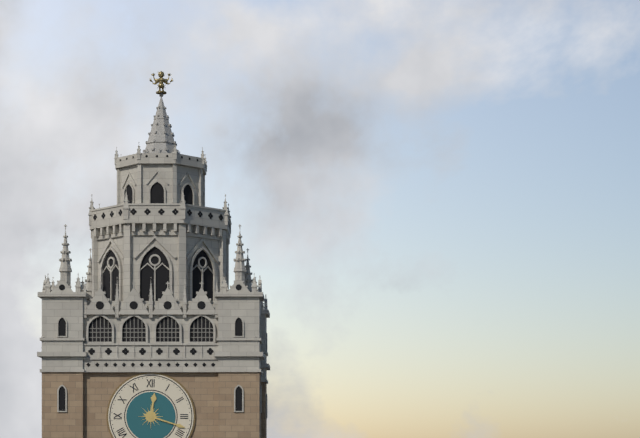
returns 12.18
